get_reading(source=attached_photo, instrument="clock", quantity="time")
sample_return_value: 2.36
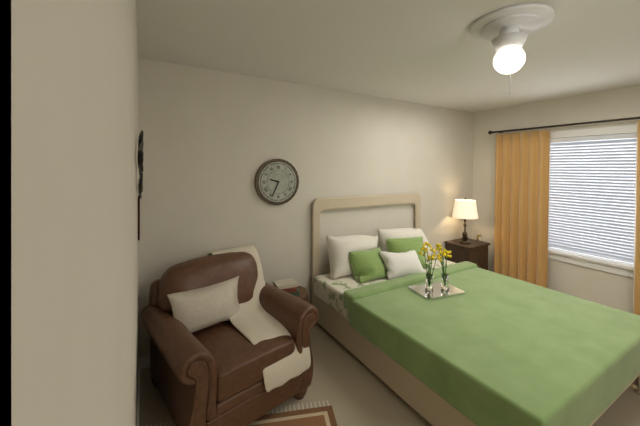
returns 9.34
